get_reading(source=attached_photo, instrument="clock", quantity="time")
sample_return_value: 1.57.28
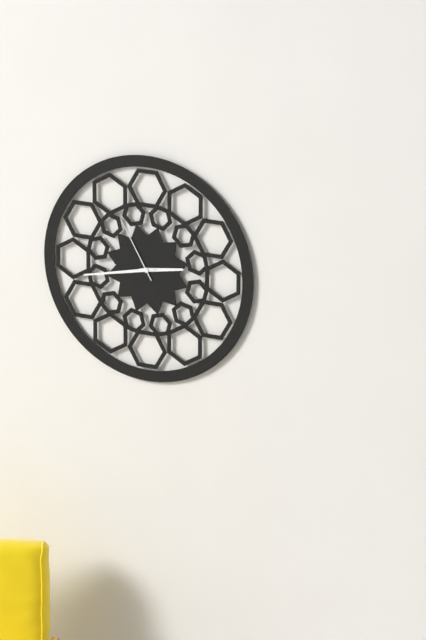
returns 2.43.55
